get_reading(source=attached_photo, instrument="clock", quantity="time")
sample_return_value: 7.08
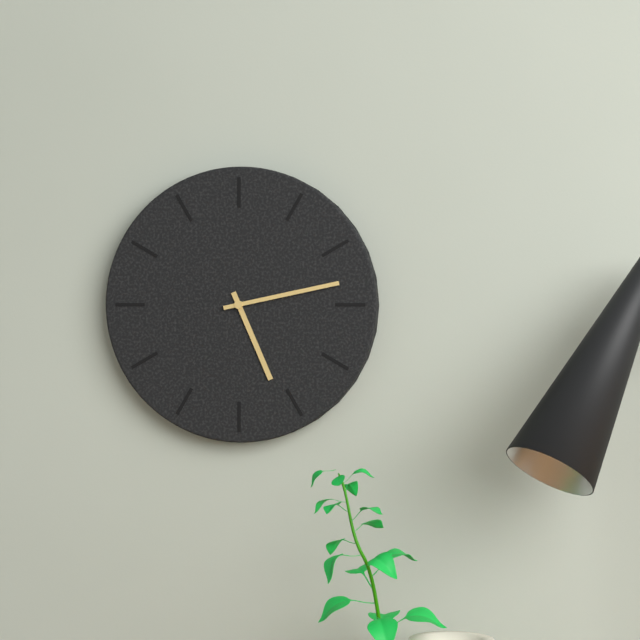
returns 5.13
